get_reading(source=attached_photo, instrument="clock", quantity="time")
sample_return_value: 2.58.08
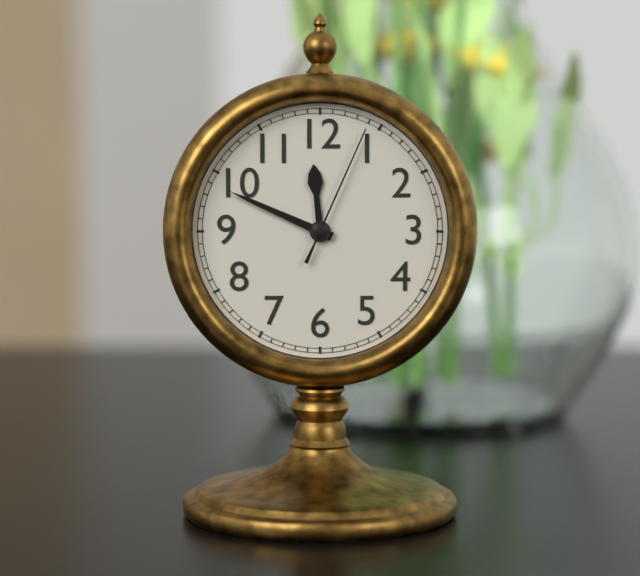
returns 11.49.04
